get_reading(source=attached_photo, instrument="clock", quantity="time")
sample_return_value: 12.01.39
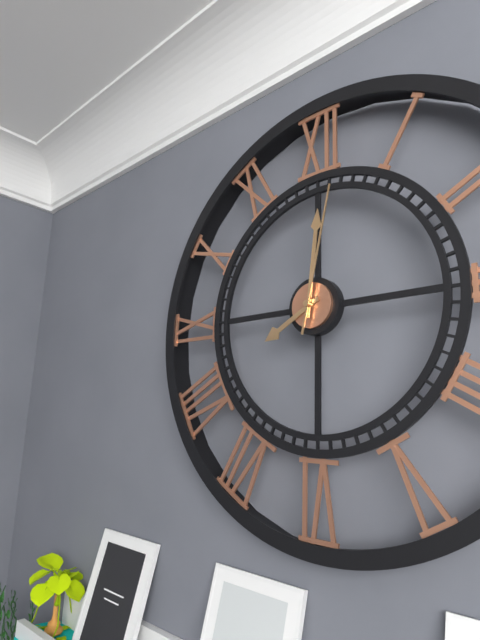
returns 8.01.02
